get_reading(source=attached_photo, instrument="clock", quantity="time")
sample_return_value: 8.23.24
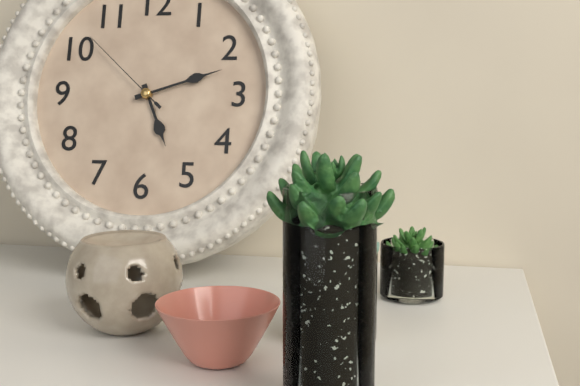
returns 5.12.52
